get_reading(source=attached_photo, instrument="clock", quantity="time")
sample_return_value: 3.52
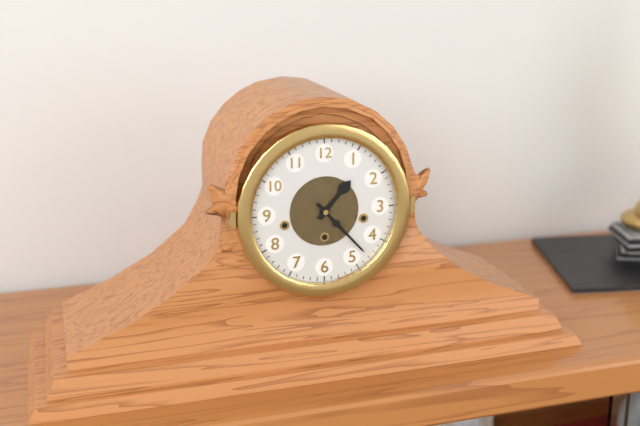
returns 1.23
